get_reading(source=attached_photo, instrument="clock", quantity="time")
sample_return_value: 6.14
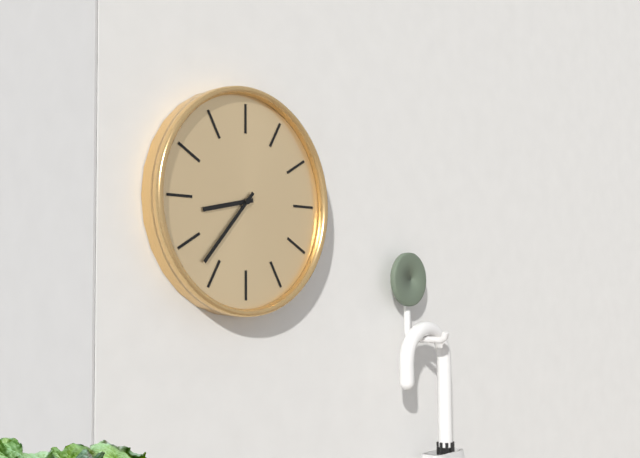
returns 8.37
